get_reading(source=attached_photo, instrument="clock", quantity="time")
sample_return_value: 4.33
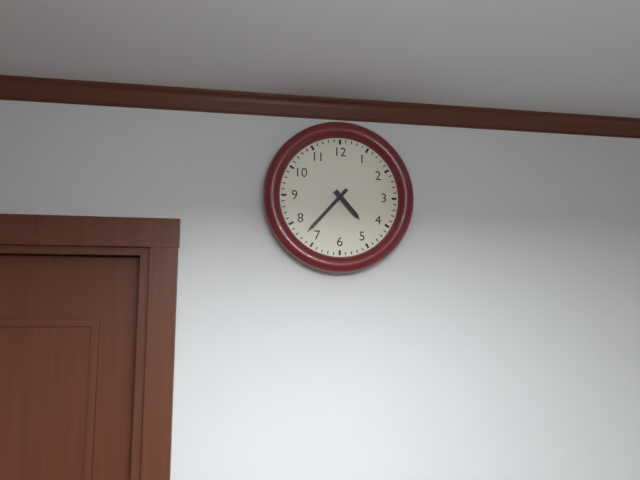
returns 4.37
